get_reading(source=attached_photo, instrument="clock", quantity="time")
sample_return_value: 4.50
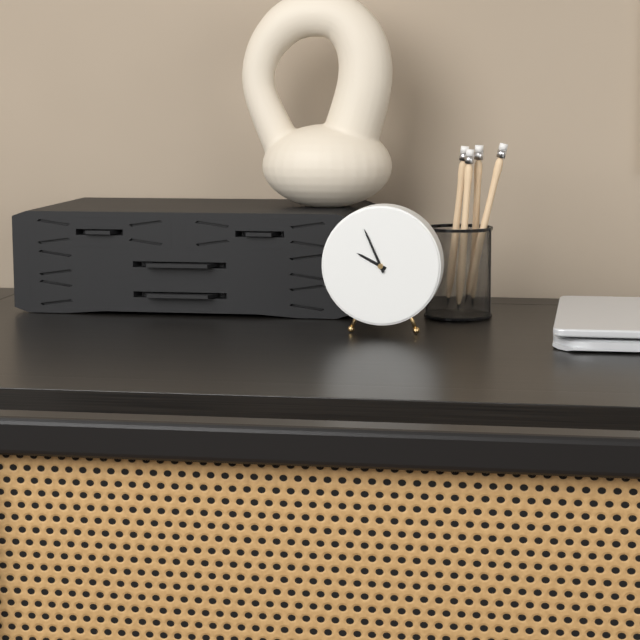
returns 9.56
